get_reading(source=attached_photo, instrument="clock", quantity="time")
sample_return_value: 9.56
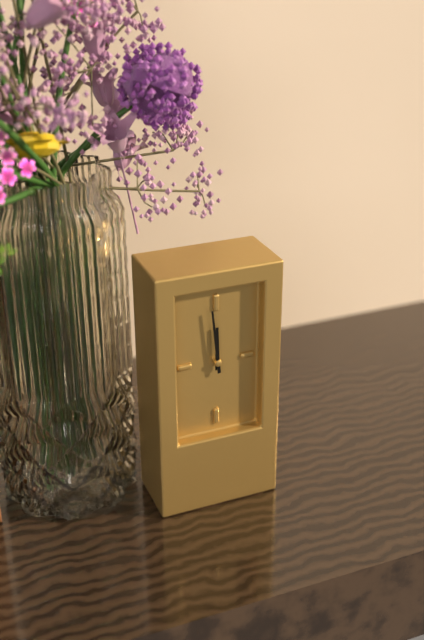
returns 11.59
